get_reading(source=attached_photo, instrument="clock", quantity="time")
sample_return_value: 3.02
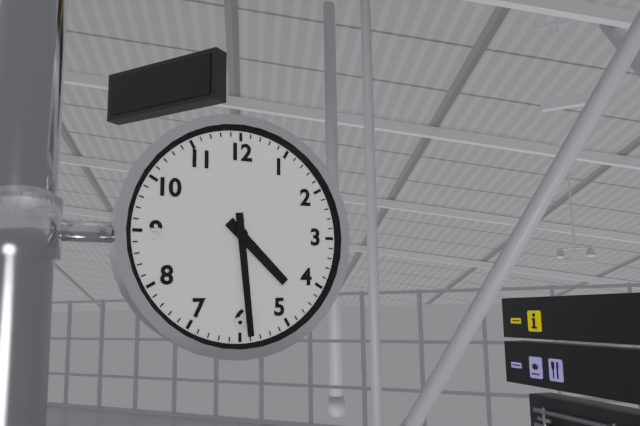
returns 4.29
